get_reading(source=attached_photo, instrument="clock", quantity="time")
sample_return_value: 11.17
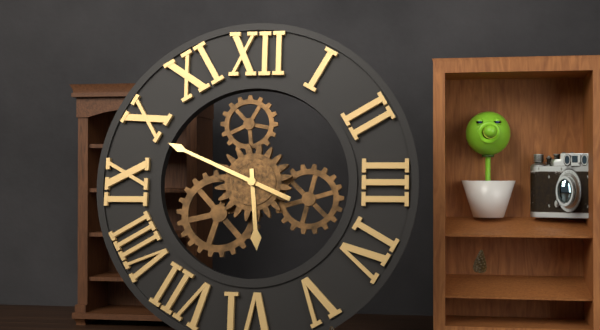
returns 5.49
